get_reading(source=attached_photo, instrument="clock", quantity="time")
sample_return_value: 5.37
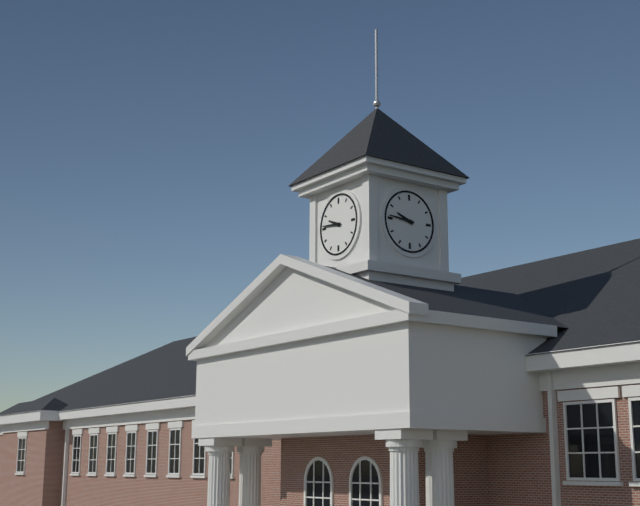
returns 9.46
